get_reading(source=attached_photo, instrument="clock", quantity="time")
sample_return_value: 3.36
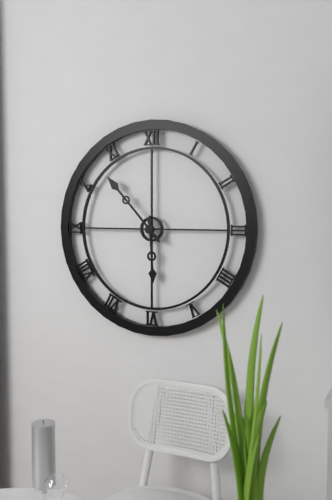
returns 5.53
